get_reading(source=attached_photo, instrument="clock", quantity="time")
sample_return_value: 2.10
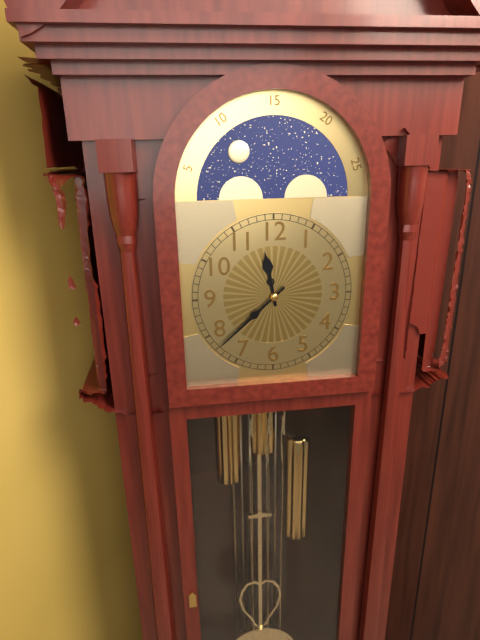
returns 11.38
